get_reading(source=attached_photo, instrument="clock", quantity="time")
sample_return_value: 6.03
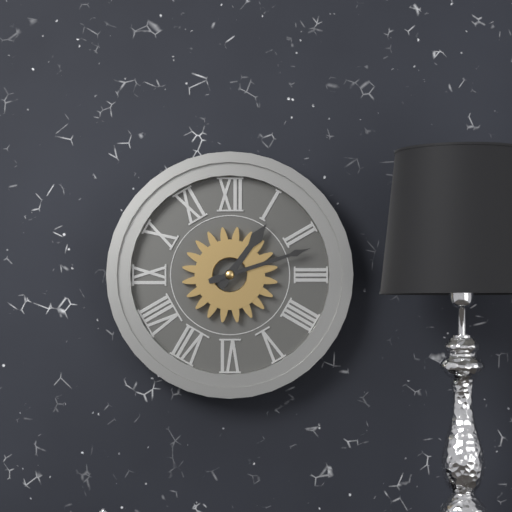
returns 1.12
